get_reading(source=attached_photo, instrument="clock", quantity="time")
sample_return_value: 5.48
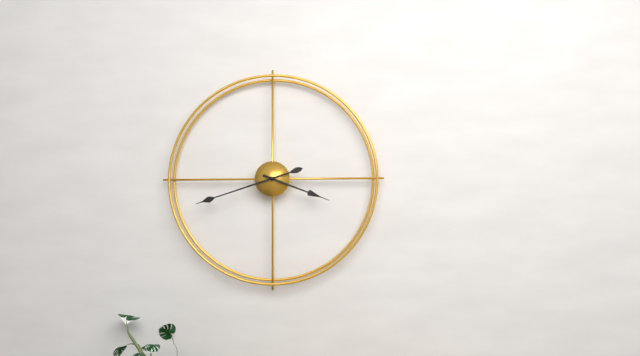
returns 3.42
